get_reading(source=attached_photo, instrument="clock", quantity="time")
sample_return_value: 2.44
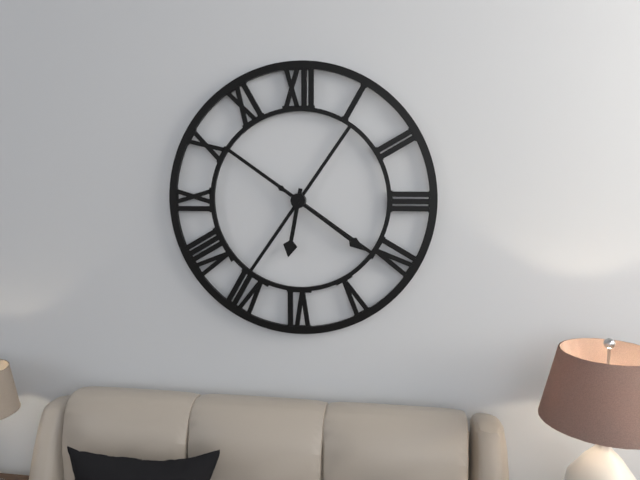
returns 6.21
